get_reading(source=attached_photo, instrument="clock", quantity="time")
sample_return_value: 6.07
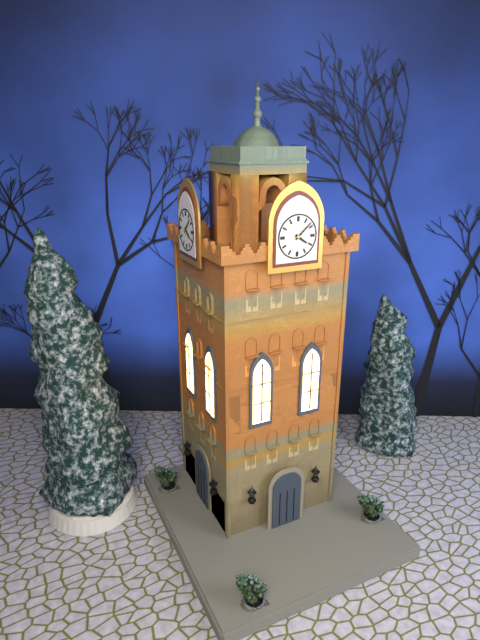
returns 4.08
